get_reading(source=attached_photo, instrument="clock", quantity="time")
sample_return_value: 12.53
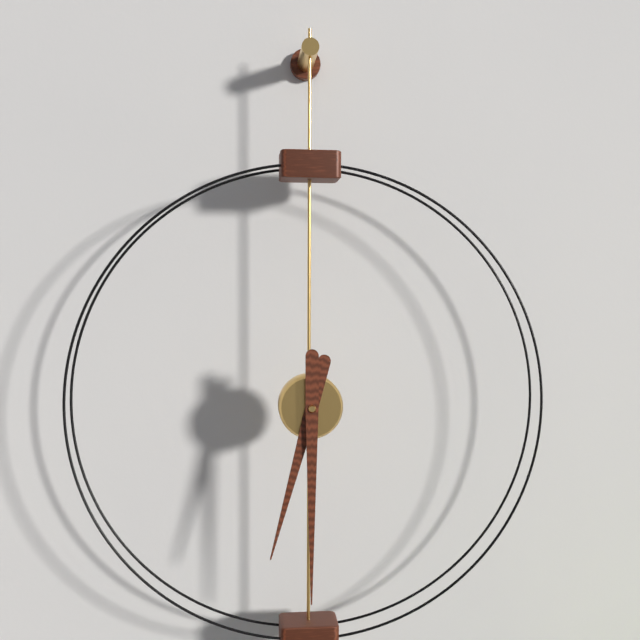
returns 6.30
